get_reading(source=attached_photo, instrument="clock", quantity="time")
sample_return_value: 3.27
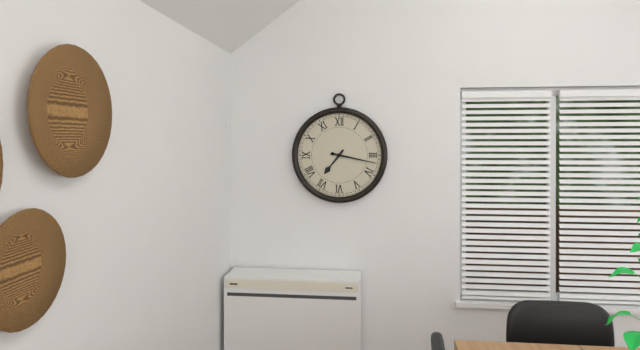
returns 7.17
